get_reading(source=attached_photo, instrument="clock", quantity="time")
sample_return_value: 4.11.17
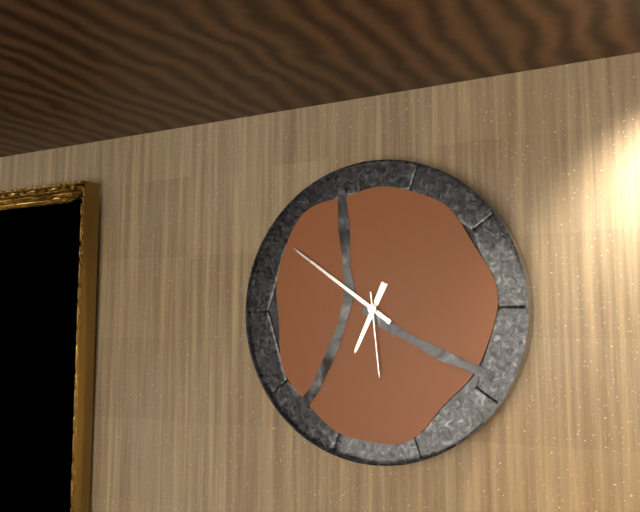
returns 6.51.29
